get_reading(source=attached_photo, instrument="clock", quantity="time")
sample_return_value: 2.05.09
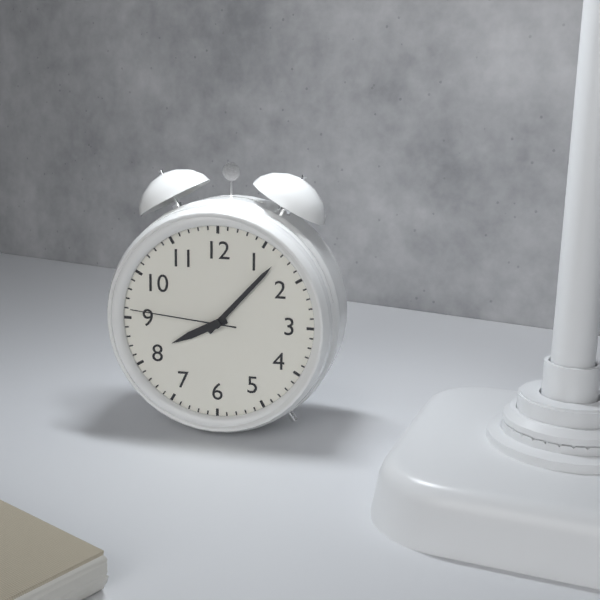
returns 8.07.46
